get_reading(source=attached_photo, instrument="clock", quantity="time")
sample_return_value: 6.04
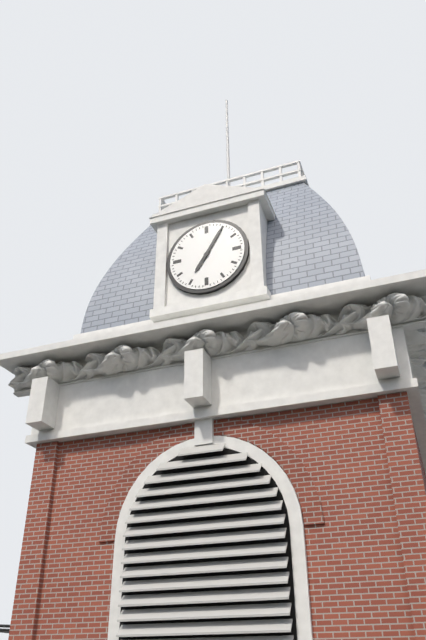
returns 7.05
